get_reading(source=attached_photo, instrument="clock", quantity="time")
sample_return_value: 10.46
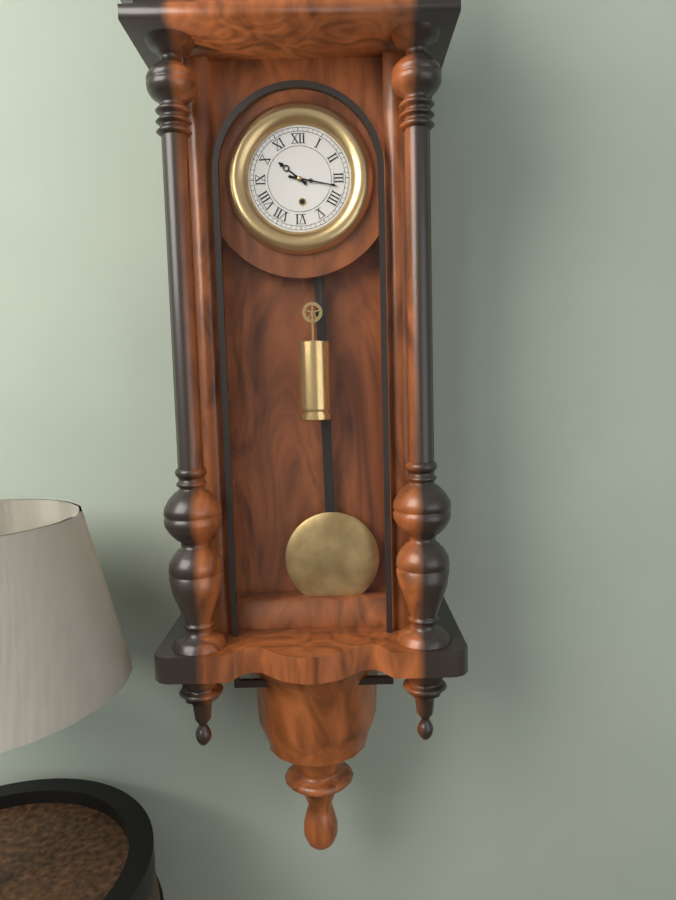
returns 10.17
